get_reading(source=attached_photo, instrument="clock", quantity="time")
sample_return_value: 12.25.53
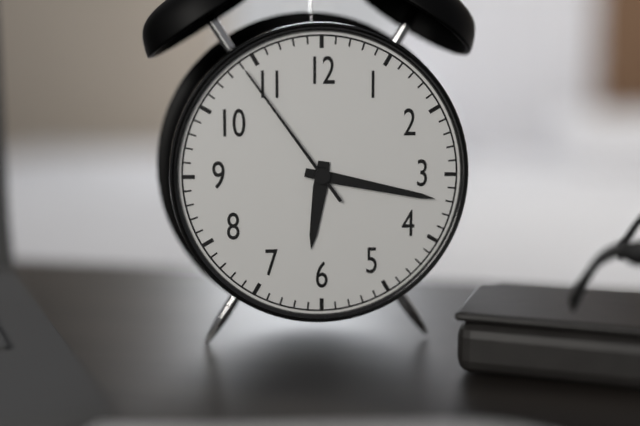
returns 6.17.54
